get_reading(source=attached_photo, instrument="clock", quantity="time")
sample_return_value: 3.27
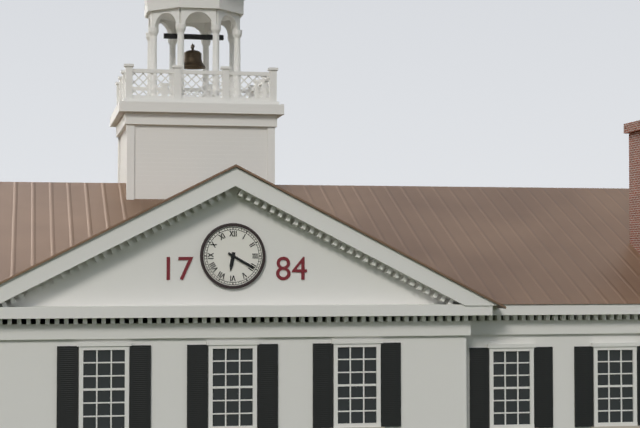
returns 6.20
